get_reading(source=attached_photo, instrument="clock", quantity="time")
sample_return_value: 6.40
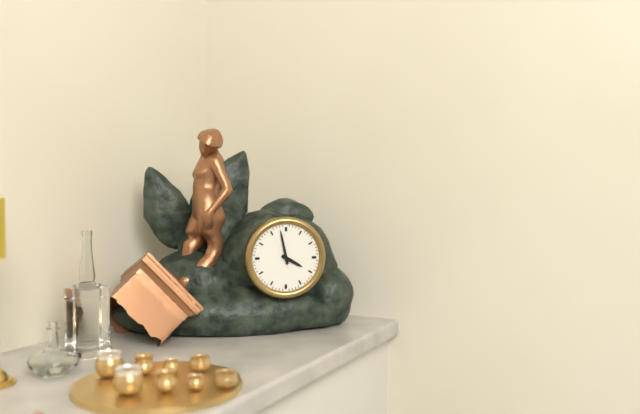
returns 3.58
